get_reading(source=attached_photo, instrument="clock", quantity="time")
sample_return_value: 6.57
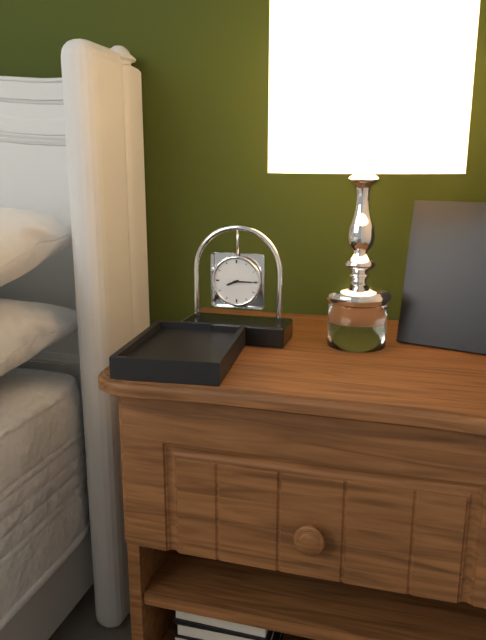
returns 8.15
